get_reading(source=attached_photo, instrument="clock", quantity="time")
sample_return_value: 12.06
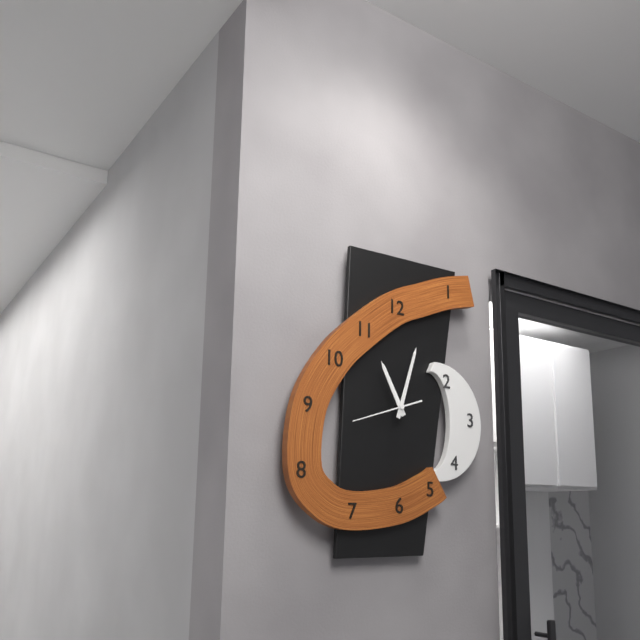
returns 11.03
